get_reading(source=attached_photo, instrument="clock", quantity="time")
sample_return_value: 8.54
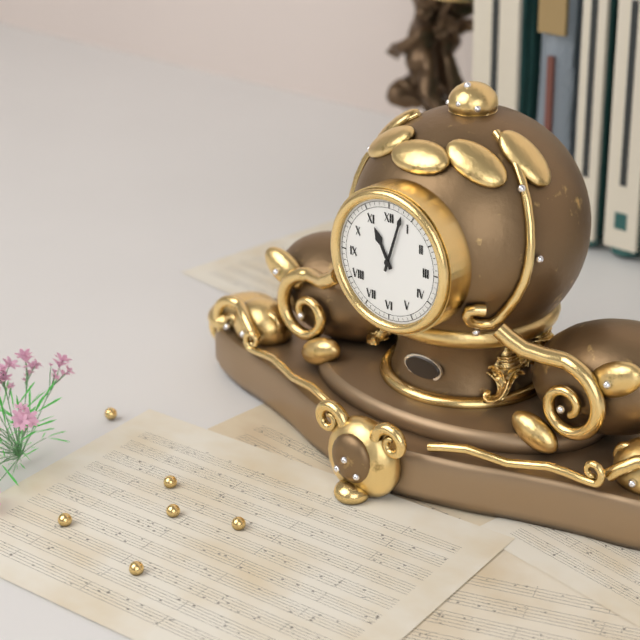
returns 11.03
